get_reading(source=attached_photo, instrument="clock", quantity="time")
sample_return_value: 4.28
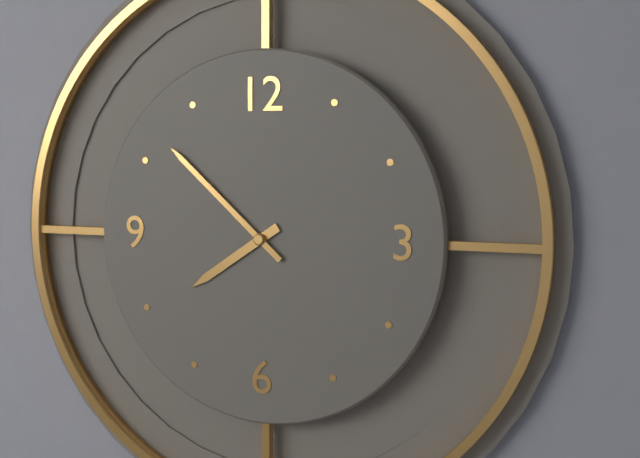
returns 7.52
